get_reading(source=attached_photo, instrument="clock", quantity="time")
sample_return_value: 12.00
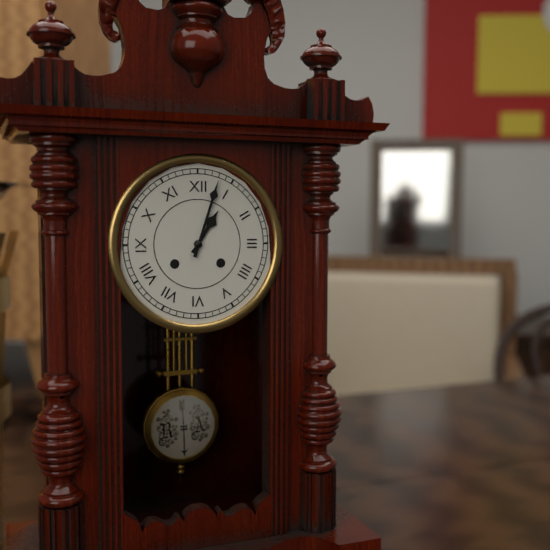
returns 1.03
